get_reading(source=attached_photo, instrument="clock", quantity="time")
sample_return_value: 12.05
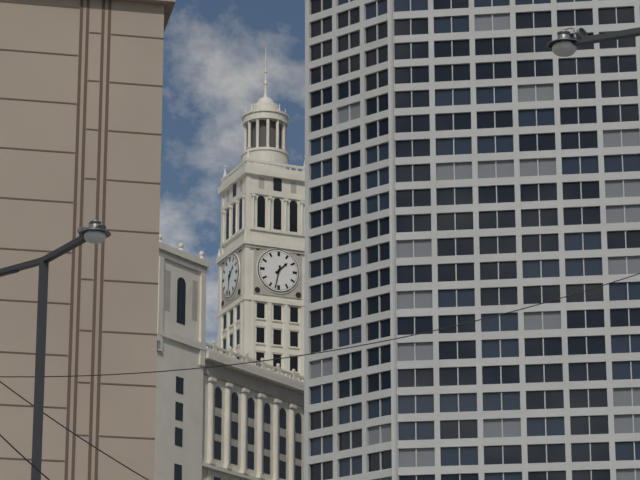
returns 1.32
